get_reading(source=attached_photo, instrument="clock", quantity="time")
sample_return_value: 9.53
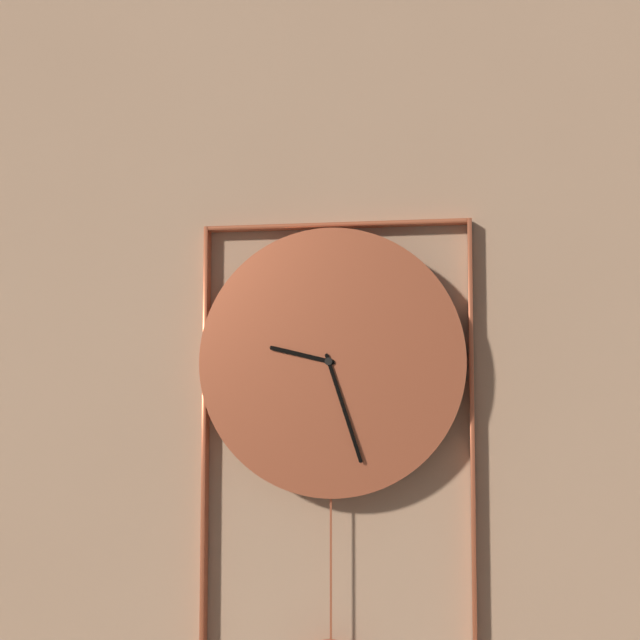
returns 9.27
